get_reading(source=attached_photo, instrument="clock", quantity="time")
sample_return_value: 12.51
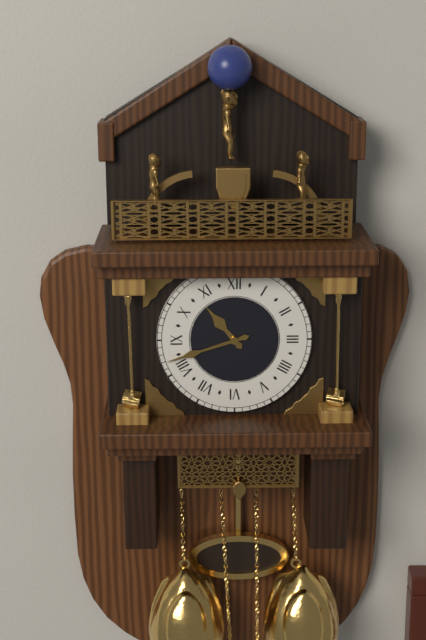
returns 10.42
